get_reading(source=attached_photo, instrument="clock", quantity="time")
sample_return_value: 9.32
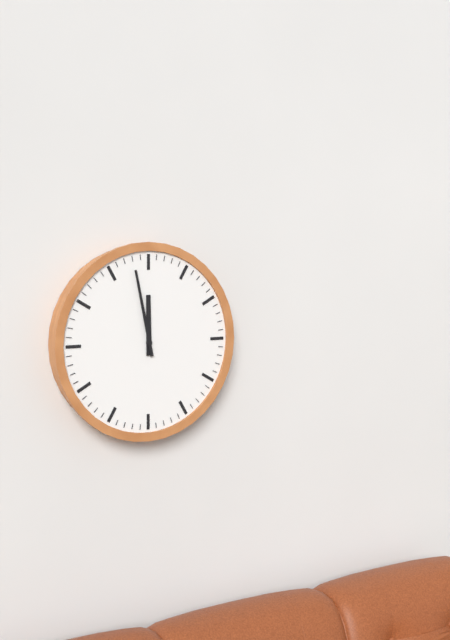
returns 11.58
